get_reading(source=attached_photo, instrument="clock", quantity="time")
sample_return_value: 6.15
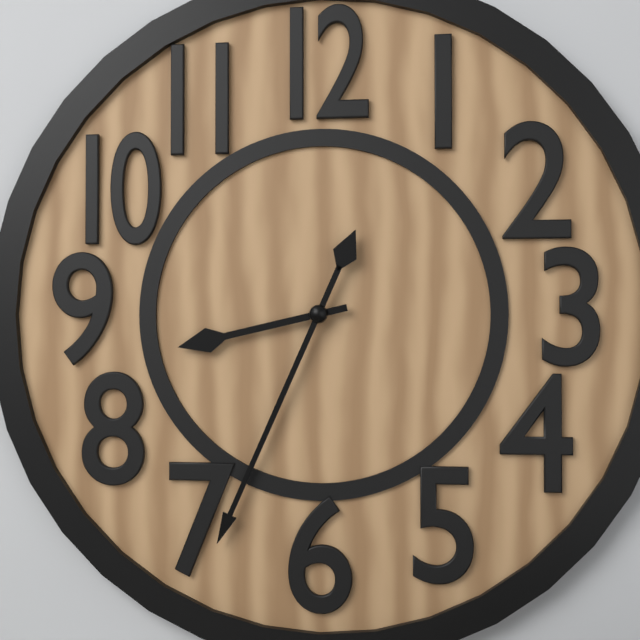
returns 8.34
